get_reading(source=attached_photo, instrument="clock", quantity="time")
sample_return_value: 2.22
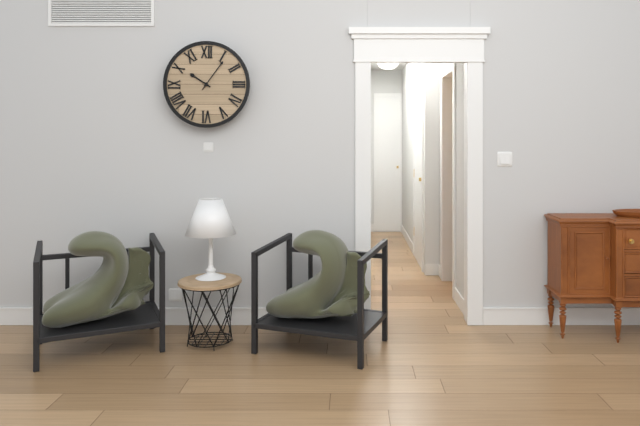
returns 10.06
